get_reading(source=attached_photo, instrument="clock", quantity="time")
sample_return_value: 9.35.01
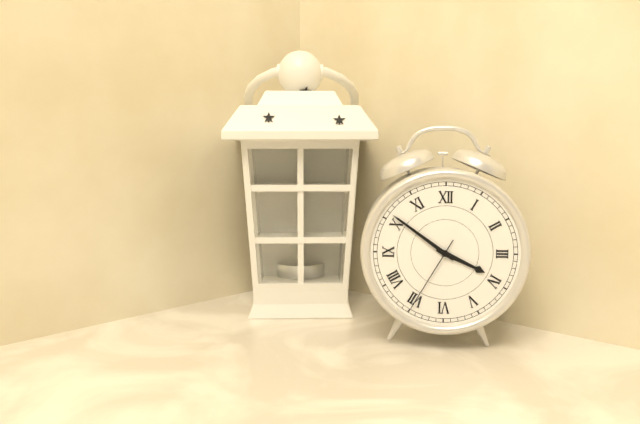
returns 3.51.35
